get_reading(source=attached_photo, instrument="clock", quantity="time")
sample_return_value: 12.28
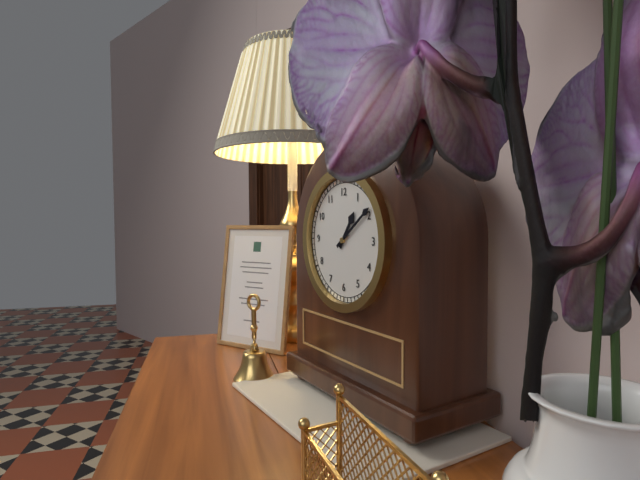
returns 1.09
